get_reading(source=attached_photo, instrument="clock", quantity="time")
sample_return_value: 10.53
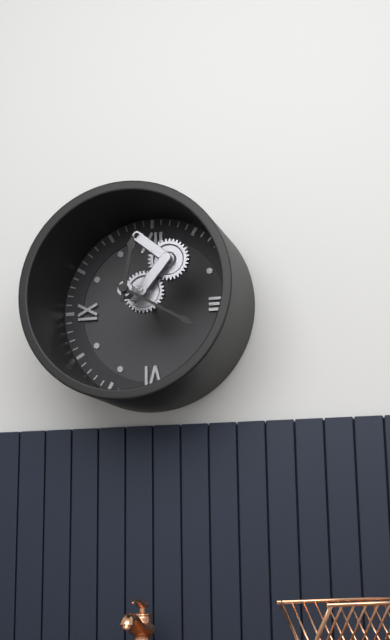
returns 12.20
